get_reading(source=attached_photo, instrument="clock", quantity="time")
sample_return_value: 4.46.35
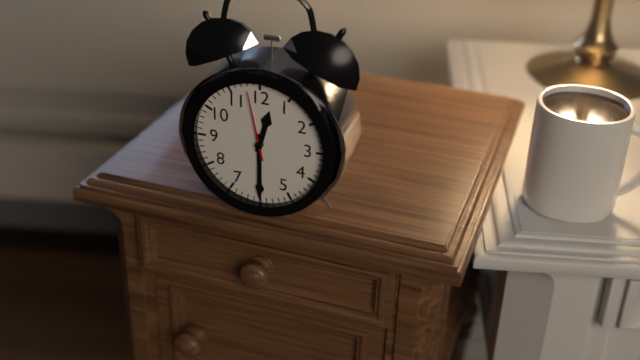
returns 12.30.58
